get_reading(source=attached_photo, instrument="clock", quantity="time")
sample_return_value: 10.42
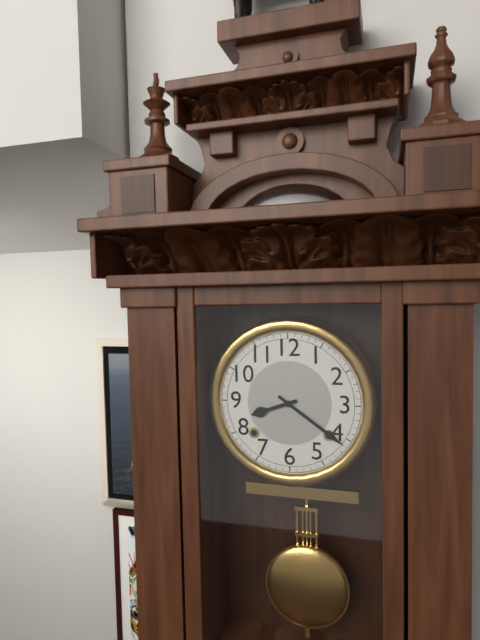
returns 8.21
